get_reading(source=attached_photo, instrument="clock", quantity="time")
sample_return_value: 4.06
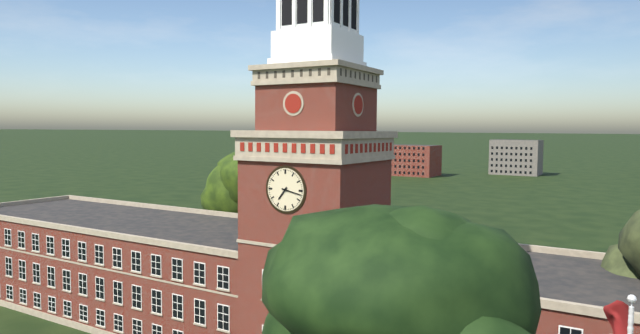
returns 7.17
